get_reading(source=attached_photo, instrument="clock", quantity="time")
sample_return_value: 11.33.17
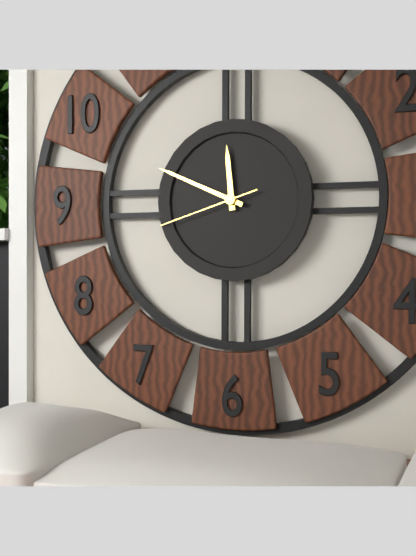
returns 11.49.42
